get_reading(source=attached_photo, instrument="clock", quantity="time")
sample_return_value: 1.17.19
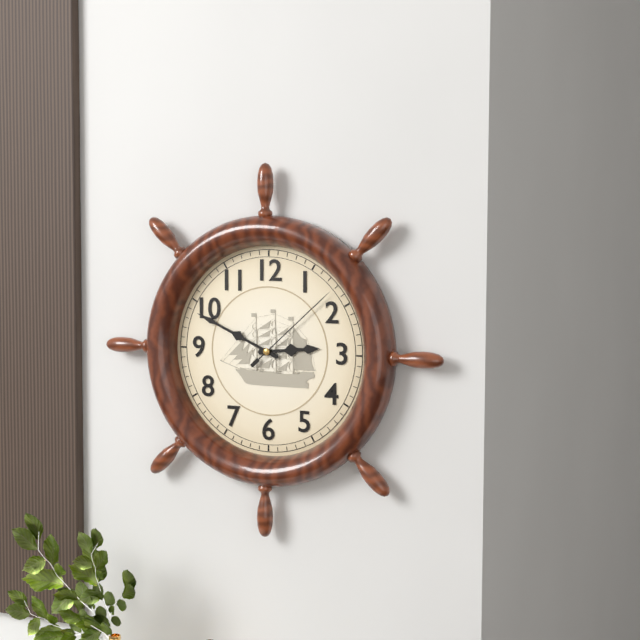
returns 2.49.08
